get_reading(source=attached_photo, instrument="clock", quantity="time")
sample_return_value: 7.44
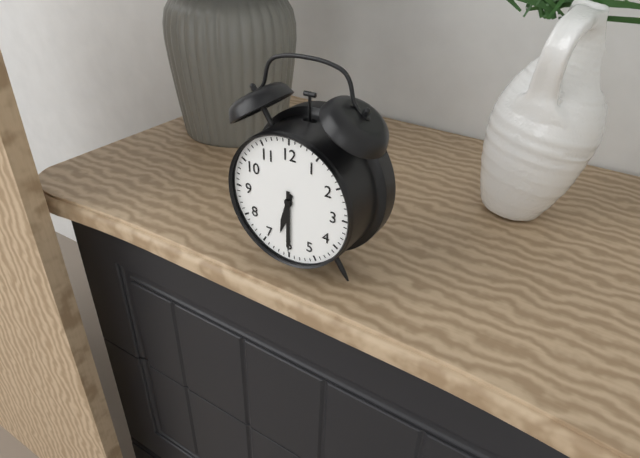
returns 6.30
